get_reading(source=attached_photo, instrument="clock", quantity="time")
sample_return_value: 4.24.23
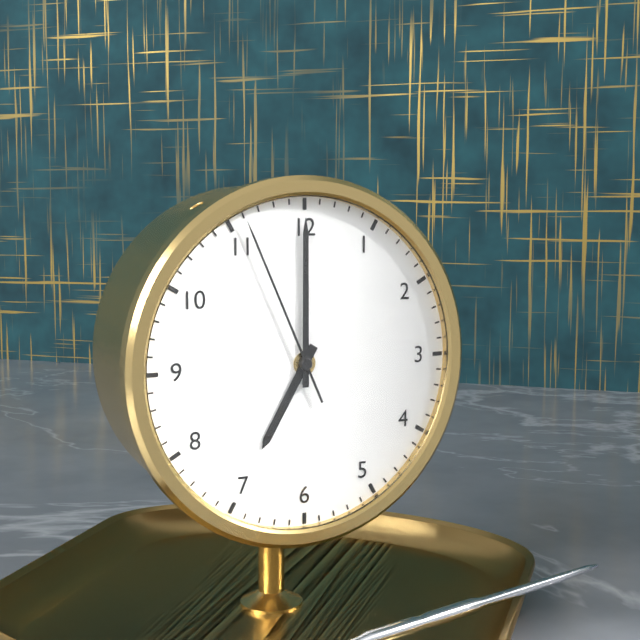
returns 7.00.56
